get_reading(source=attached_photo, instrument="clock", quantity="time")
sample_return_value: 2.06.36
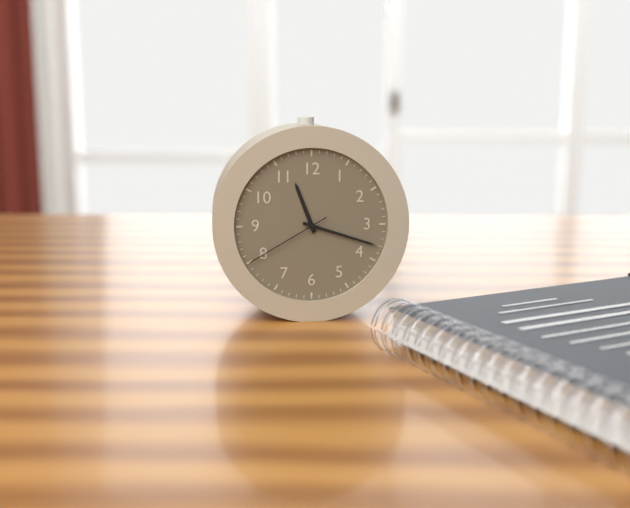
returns 11.18.40
